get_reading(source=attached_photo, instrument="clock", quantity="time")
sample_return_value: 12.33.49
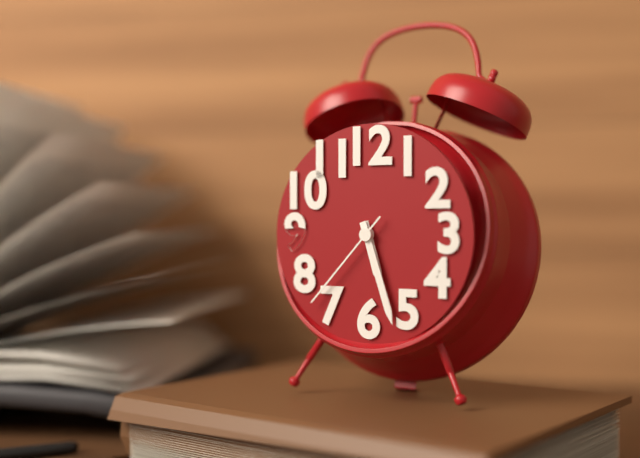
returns 5.27.37
